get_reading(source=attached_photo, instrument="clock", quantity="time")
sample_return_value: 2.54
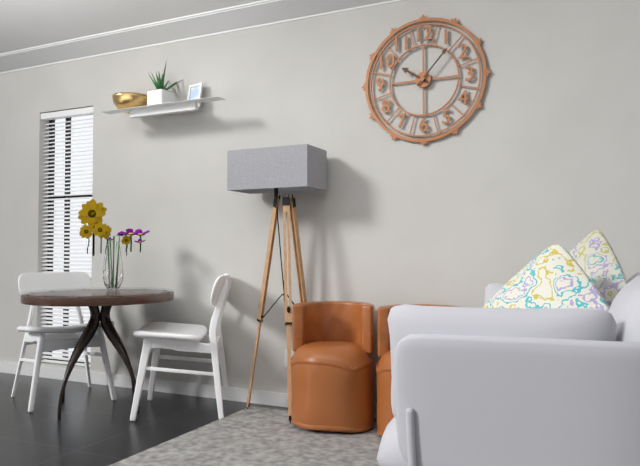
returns 10.07
